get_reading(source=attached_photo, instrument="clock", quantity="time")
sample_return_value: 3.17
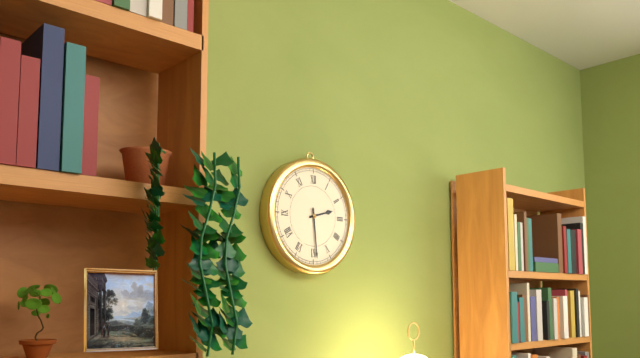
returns 2.29
